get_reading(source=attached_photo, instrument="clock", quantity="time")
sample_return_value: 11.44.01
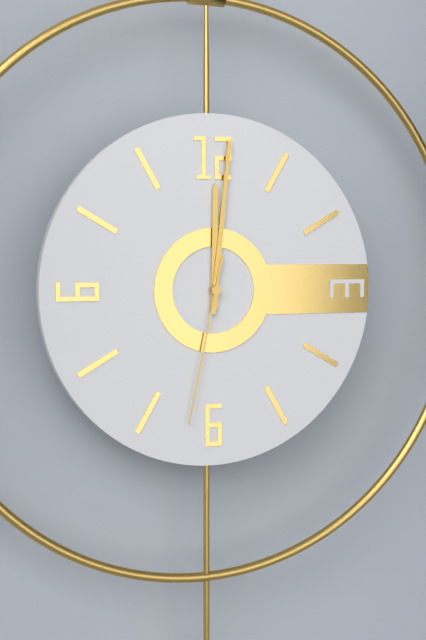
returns 12.01.32
